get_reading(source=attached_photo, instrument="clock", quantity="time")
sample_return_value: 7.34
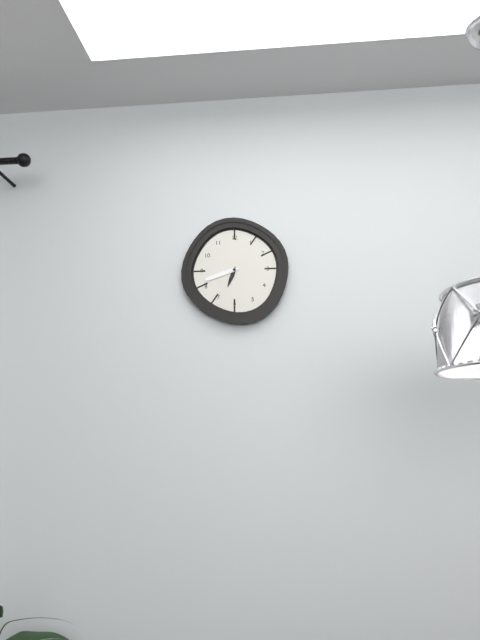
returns 6.42
